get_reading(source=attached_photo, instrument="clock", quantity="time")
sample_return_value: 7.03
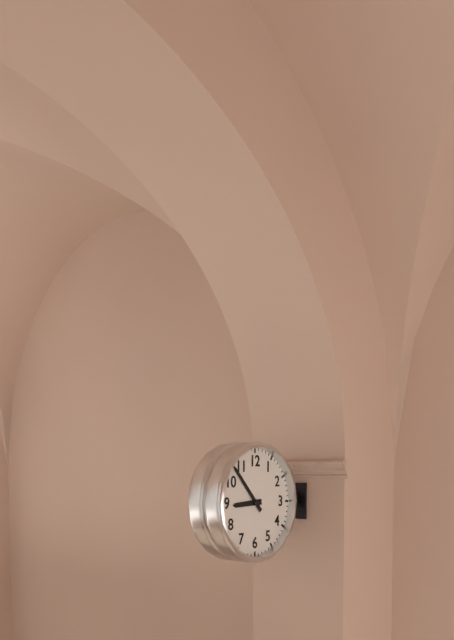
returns 8.53
